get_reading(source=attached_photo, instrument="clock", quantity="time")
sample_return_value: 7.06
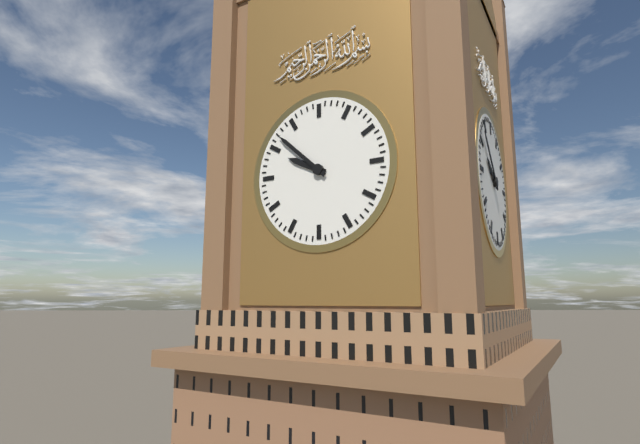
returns 9.52
